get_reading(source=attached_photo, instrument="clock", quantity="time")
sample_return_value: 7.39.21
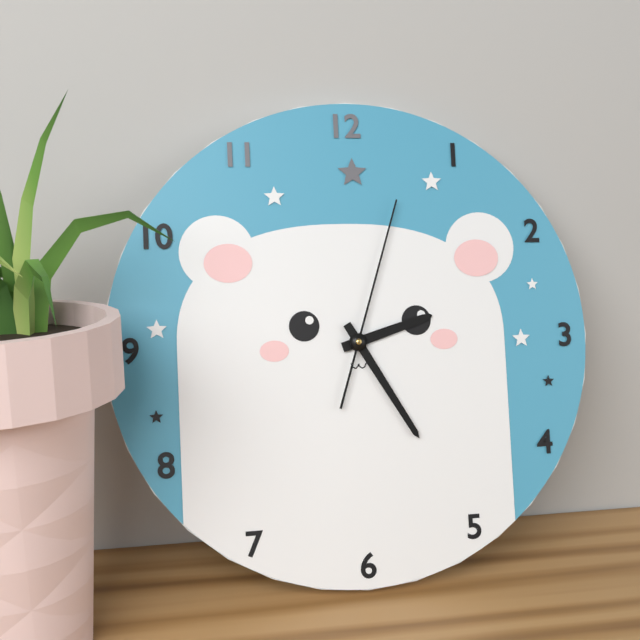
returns 2.25.03
